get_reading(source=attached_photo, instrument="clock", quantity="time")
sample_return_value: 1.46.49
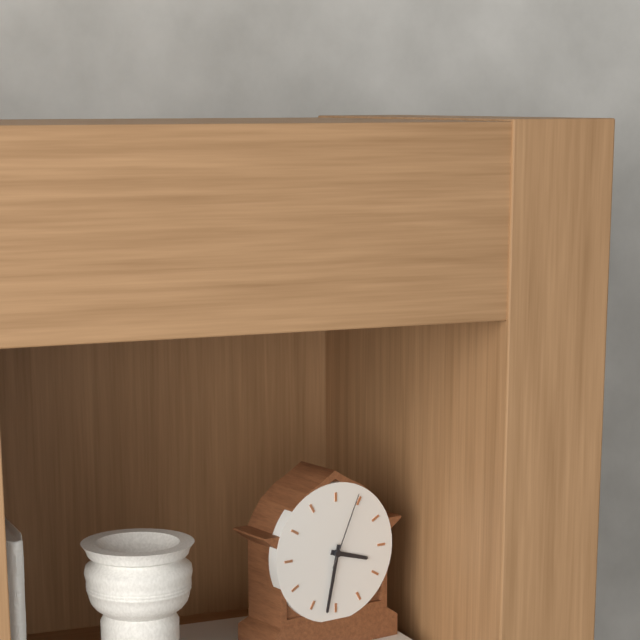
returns 3.32.04
